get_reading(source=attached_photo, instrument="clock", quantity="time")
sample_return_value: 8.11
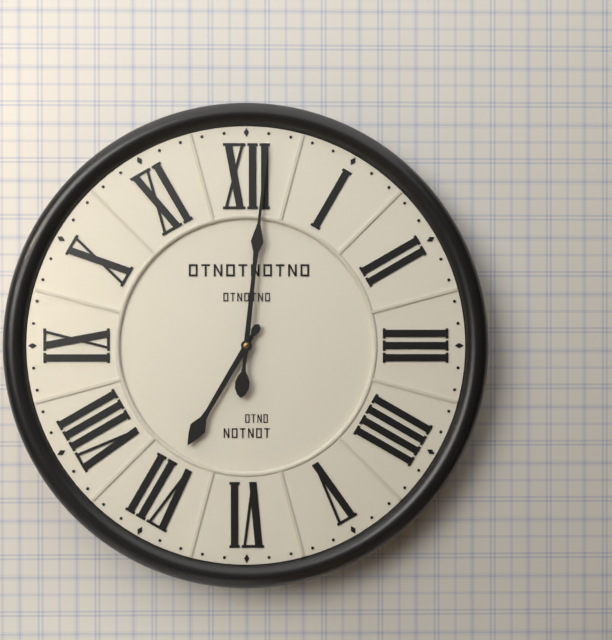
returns 7.01
